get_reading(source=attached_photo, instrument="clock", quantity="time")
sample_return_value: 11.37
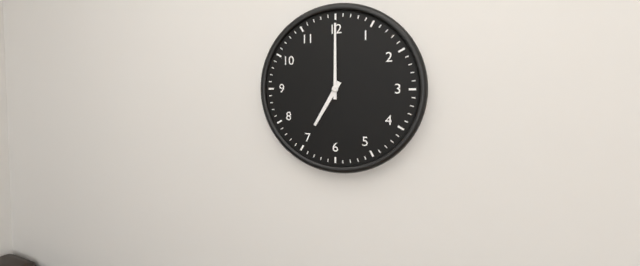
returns 7.00
